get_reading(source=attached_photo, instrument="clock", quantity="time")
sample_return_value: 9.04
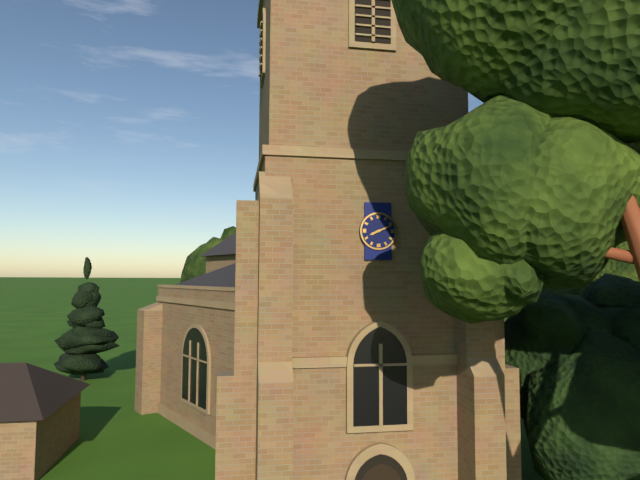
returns 8.11
